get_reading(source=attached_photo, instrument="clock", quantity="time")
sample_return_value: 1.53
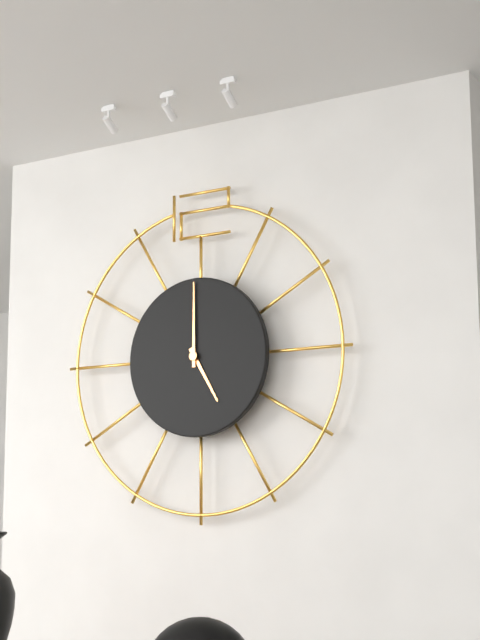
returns 5.00
